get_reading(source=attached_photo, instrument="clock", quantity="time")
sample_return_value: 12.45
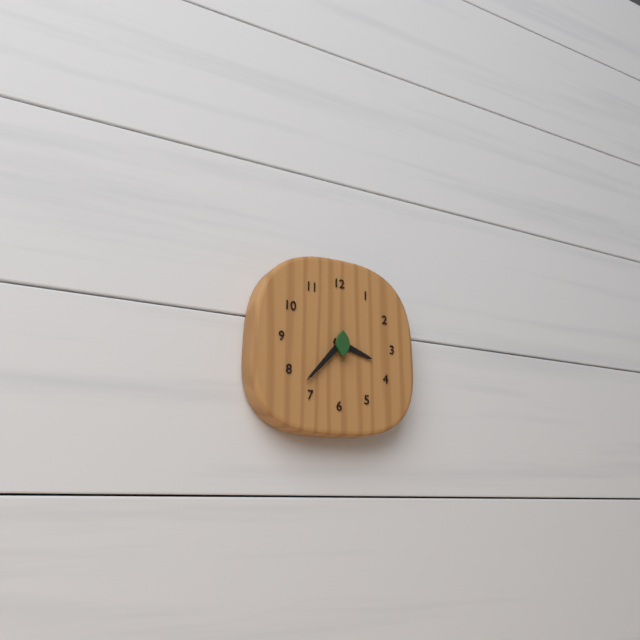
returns 3.37
